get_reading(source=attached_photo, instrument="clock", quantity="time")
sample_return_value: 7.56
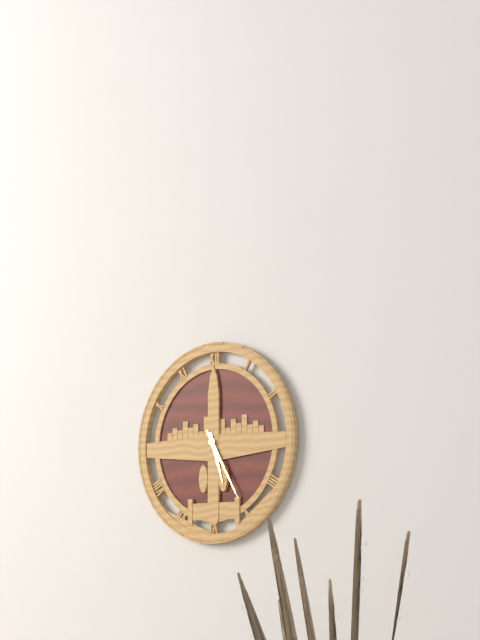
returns 5.25
